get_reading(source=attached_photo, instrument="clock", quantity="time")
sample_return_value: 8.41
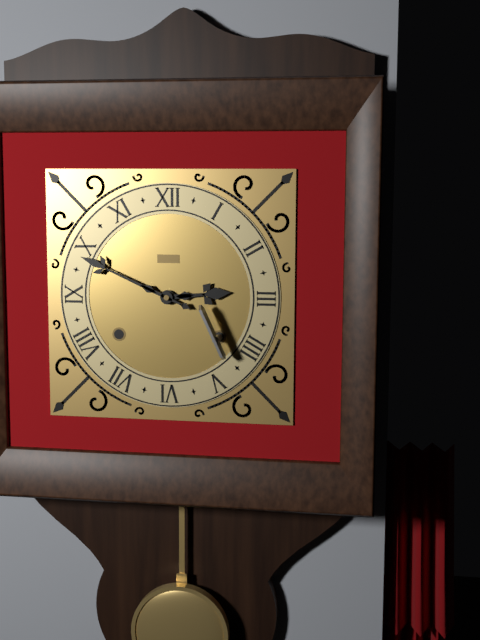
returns 2.49
